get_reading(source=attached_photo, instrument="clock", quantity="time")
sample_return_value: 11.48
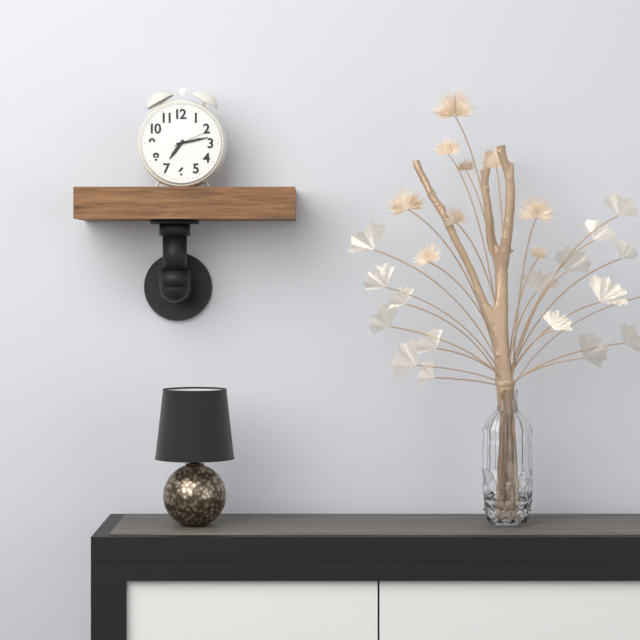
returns 7.13
